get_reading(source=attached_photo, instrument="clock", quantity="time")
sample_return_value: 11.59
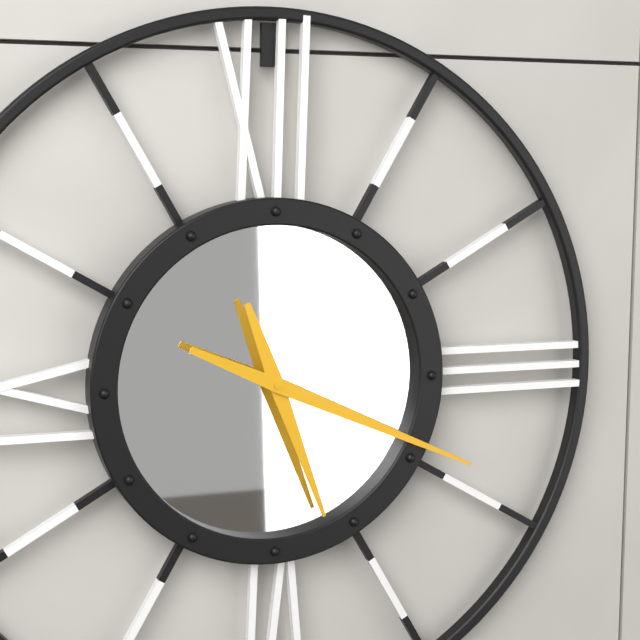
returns 5.19
